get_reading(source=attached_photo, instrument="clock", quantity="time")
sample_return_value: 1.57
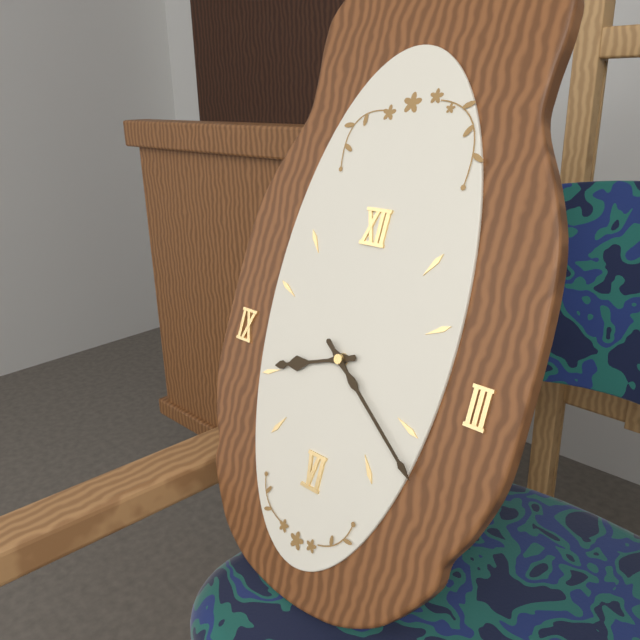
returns 8.21
